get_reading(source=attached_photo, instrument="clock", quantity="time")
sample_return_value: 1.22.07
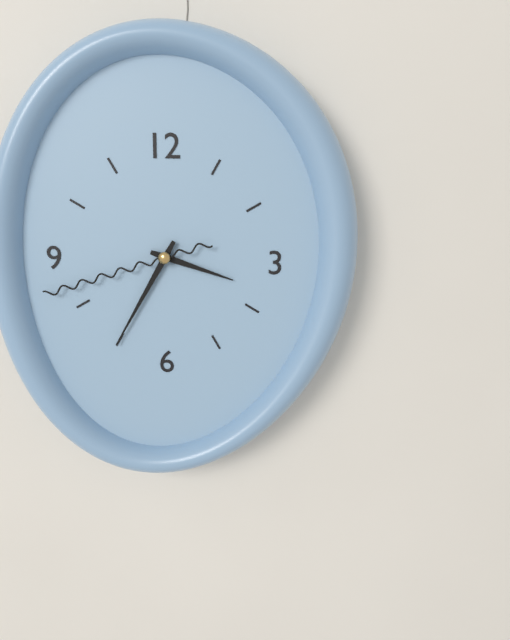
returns 3.35.42
